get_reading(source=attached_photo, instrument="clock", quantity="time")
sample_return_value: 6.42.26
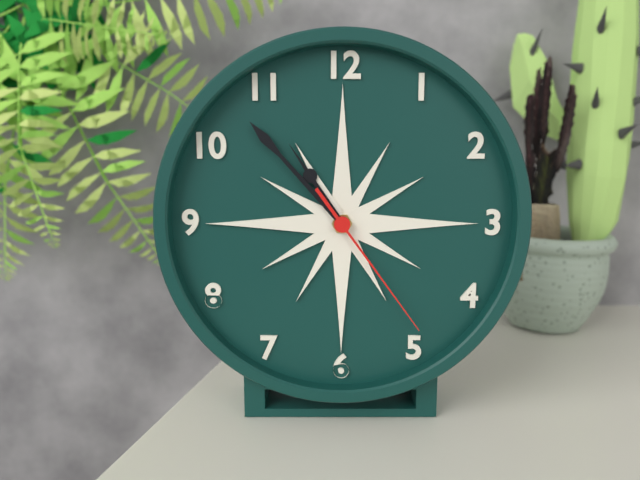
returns 10.53.24
